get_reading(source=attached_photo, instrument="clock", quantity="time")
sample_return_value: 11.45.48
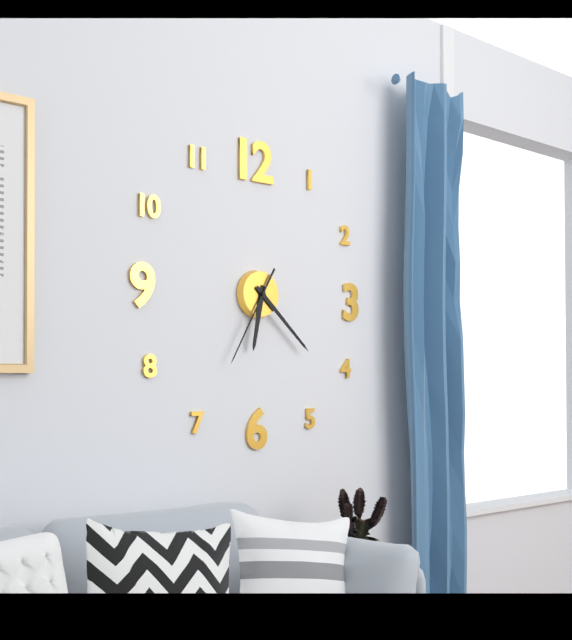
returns 6.22.35
